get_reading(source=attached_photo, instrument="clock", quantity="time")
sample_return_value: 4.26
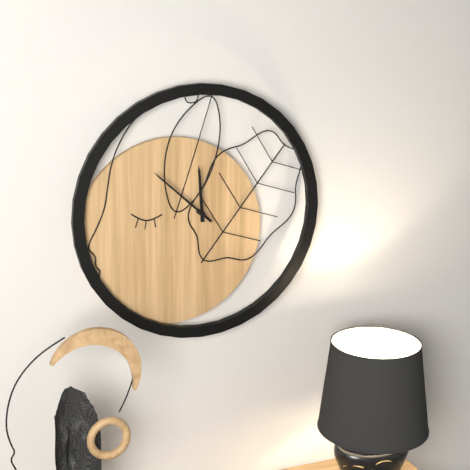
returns 11.52
